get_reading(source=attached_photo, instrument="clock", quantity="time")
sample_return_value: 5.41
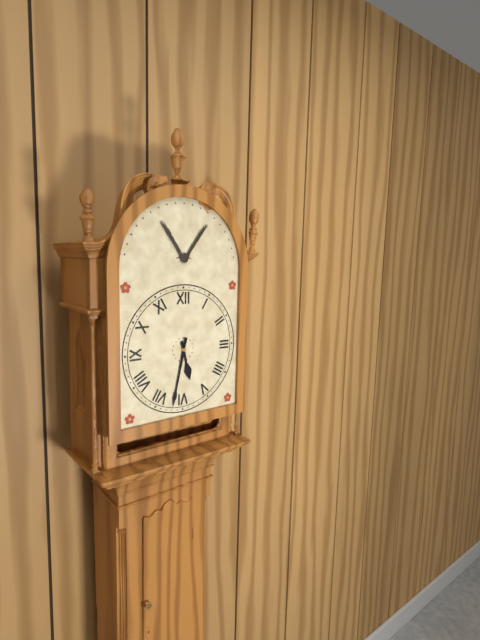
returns 5.32
